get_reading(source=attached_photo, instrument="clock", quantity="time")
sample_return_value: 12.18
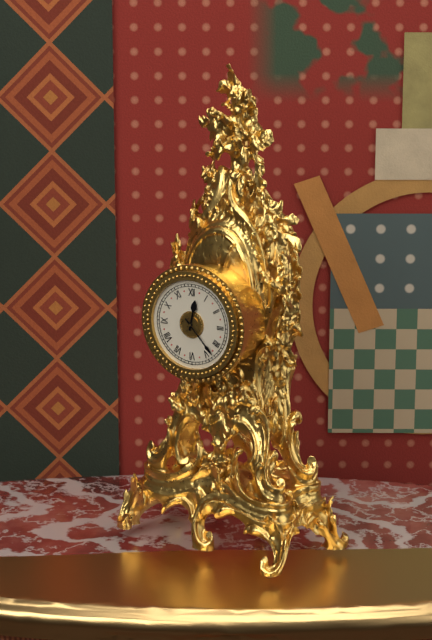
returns 12.23
